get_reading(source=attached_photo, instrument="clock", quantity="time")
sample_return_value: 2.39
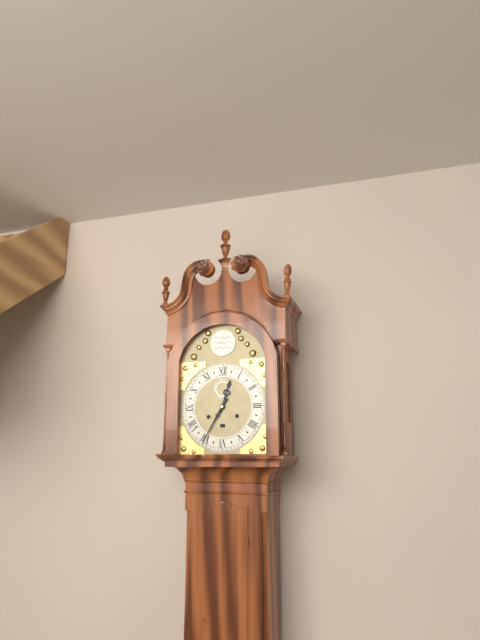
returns 12.35
